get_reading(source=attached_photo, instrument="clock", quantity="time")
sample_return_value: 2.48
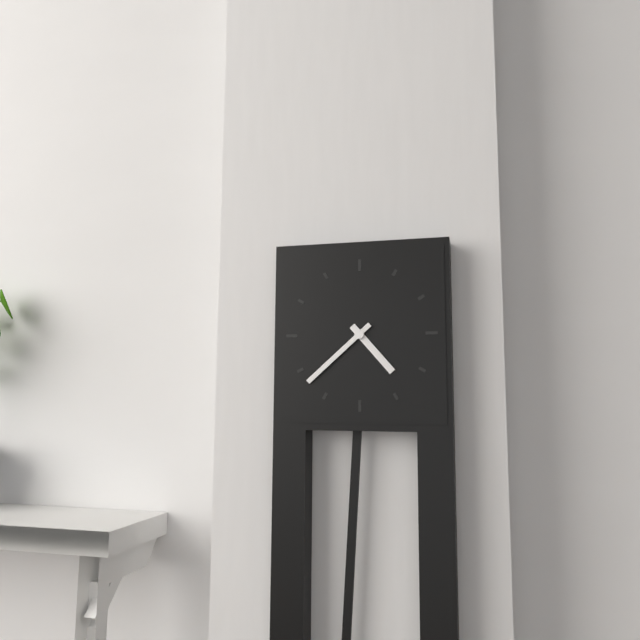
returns 4.38
